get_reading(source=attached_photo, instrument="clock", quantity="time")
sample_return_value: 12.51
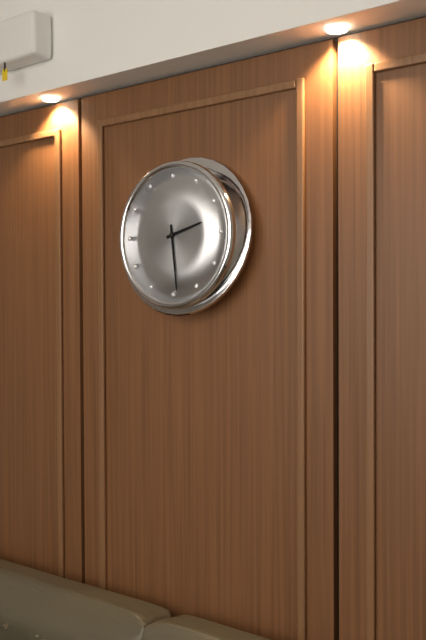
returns 2.29
